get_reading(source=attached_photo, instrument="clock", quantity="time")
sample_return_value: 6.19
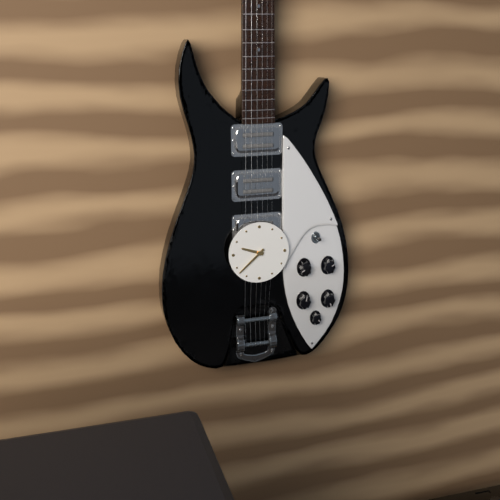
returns 9.38
